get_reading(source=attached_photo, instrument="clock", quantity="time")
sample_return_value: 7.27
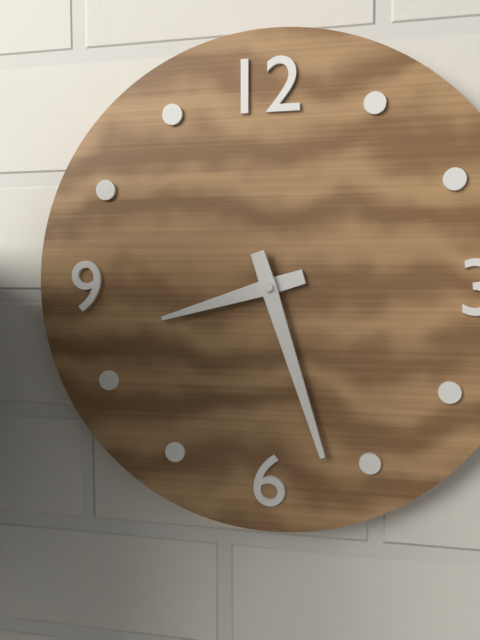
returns 8.27
